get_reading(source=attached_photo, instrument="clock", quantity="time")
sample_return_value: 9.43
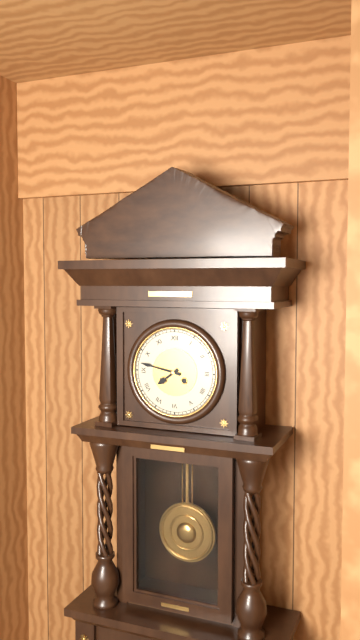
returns 7.47
